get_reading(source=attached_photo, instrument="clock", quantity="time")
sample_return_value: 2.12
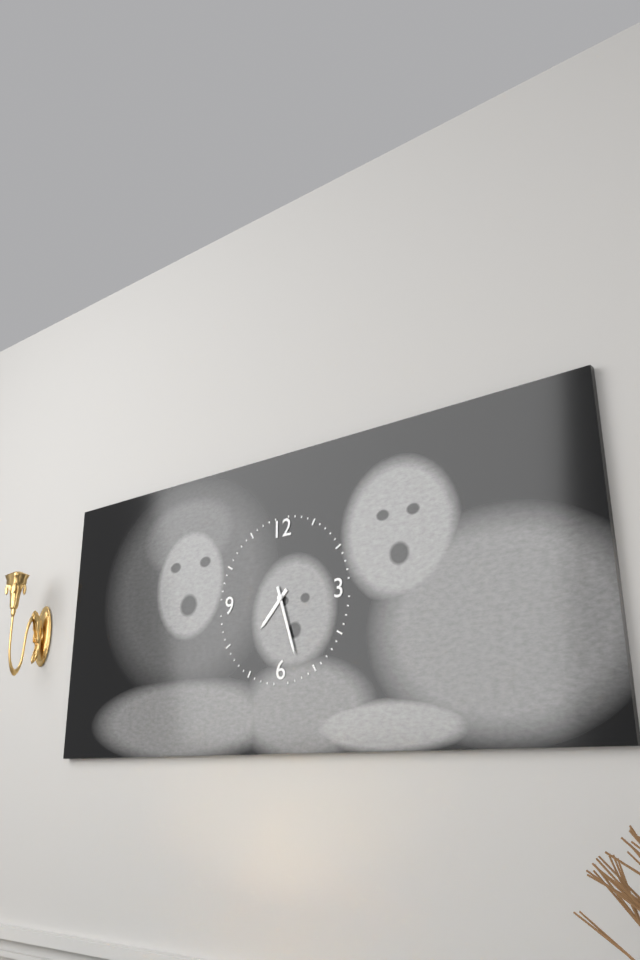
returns 7.27
